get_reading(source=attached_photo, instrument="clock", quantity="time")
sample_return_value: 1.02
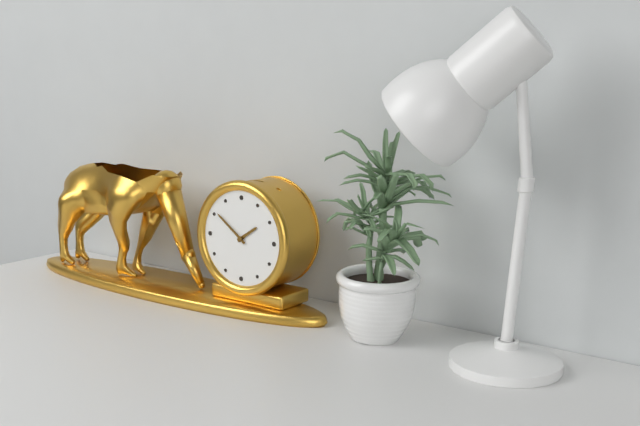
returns 1.51
